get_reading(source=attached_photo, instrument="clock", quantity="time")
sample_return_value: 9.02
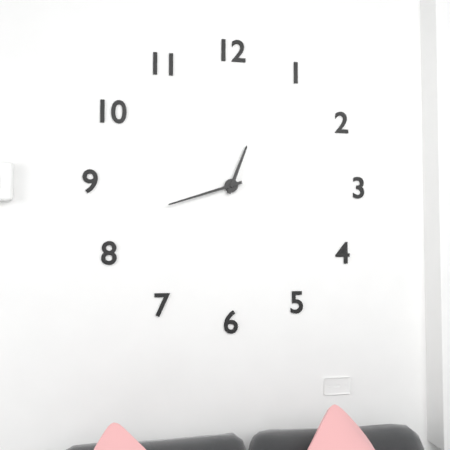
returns 12.42
